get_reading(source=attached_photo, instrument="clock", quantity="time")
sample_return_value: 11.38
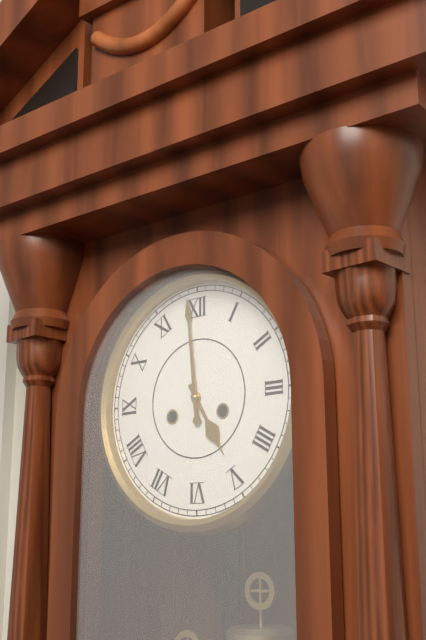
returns 4.59
